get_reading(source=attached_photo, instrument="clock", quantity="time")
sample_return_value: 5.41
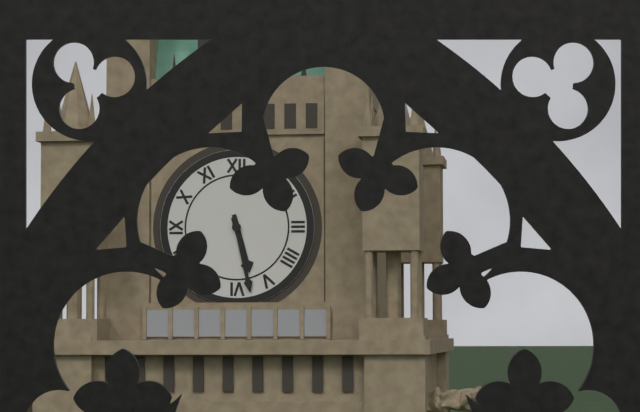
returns 5.28
